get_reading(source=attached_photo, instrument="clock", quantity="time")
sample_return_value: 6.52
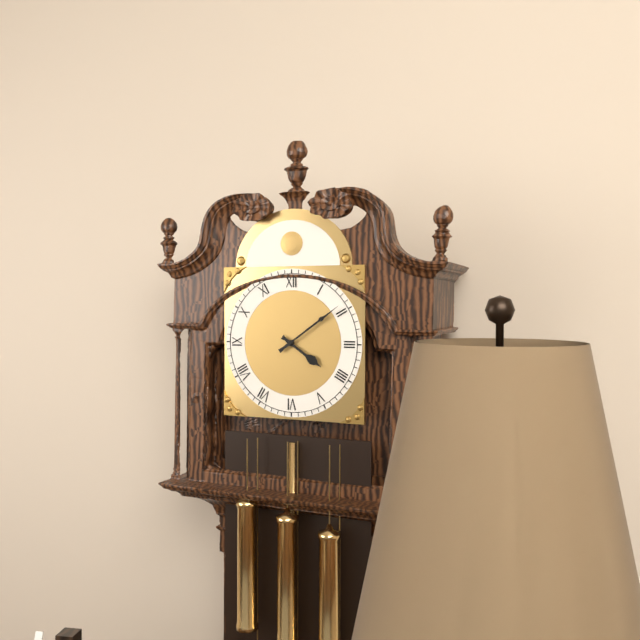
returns 4.09
